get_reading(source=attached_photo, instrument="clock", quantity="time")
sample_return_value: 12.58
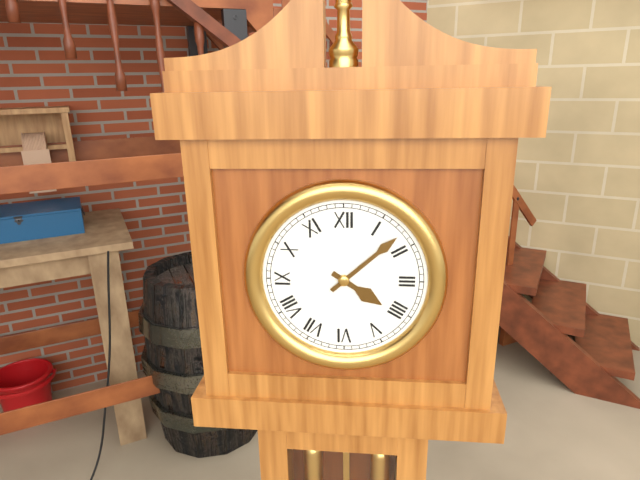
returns 4.08
